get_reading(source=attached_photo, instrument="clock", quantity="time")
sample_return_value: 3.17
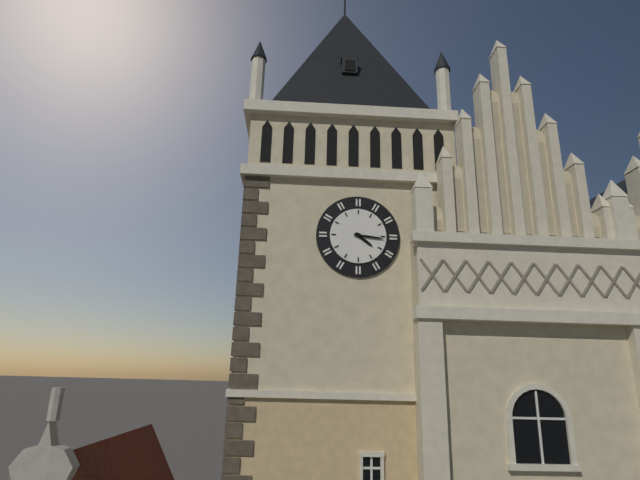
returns 4.16
